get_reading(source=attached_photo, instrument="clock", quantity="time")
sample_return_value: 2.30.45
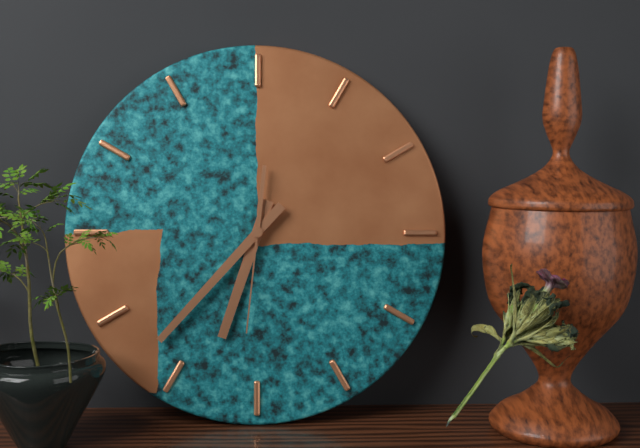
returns 6.37.31
